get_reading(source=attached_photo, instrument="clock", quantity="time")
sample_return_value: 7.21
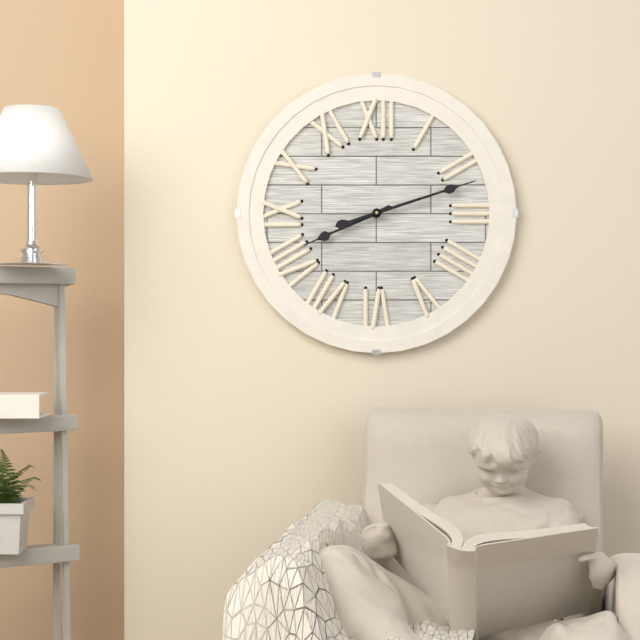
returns 8.12
